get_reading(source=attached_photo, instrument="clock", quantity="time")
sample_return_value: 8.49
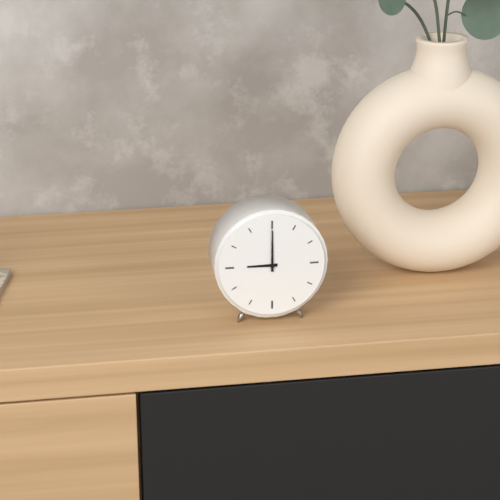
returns 9.00
